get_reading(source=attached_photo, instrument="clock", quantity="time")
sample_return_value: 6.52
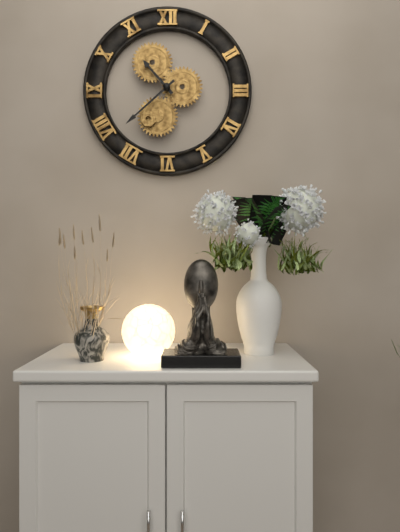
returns 10.38
